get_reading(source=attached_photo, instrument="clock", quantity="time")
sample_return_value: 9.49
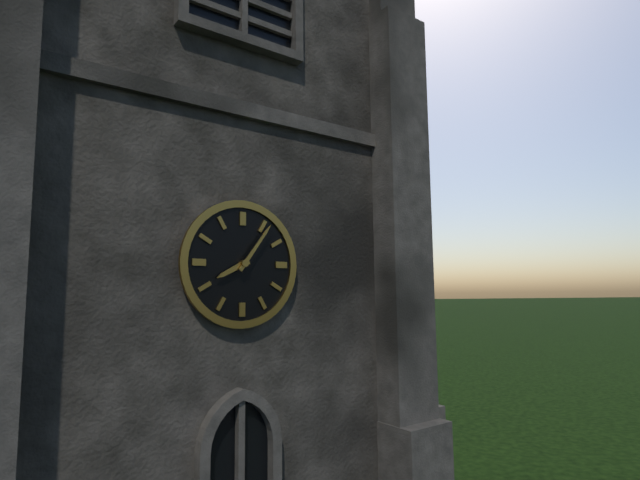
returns 8.06
